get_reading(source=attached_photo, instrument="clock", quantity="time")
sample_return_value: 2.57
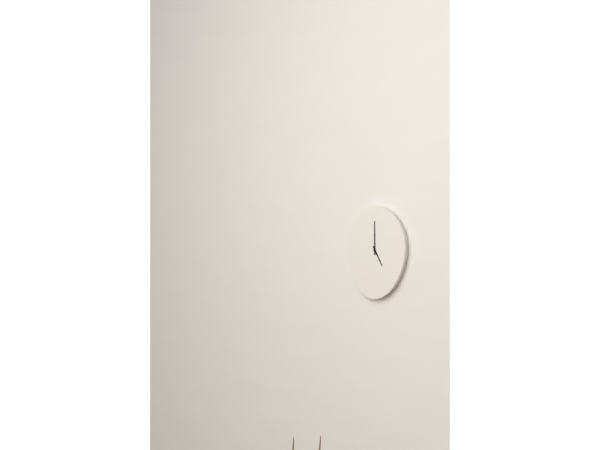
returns 5.00
